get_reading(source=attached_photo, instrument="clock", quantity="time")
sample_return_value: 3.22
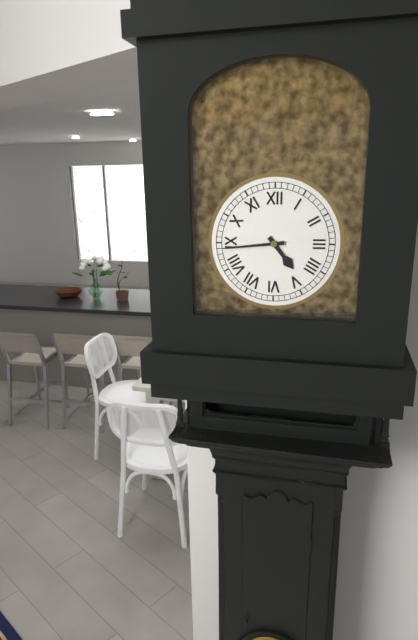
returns 4.44
